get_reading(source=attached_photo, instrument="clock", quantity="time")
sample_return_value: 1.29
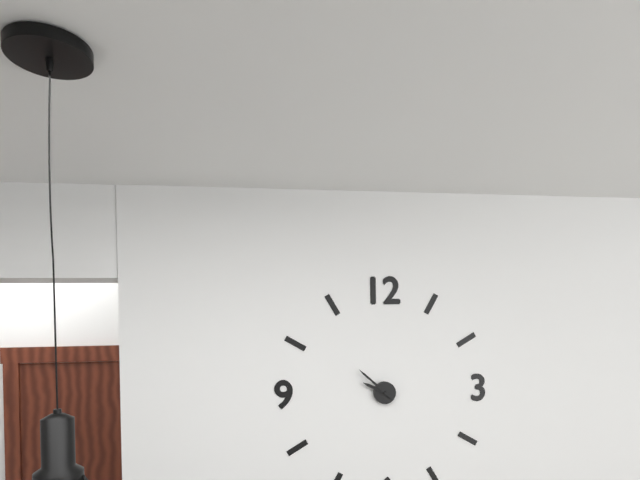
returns 9.52
